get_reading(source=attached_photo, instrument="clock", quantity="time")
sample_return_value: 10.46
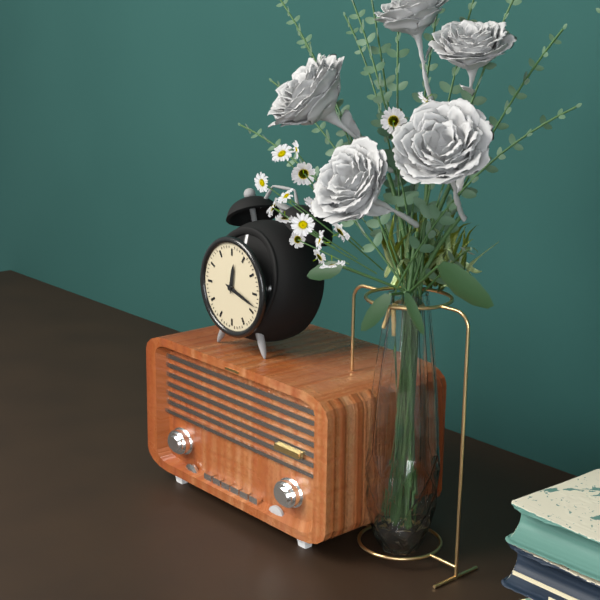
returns 12.18
